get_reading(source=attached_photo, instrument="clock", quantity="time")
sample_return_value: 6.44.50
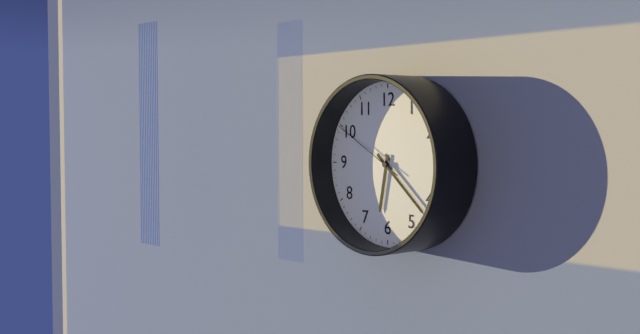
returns 6.22.50
